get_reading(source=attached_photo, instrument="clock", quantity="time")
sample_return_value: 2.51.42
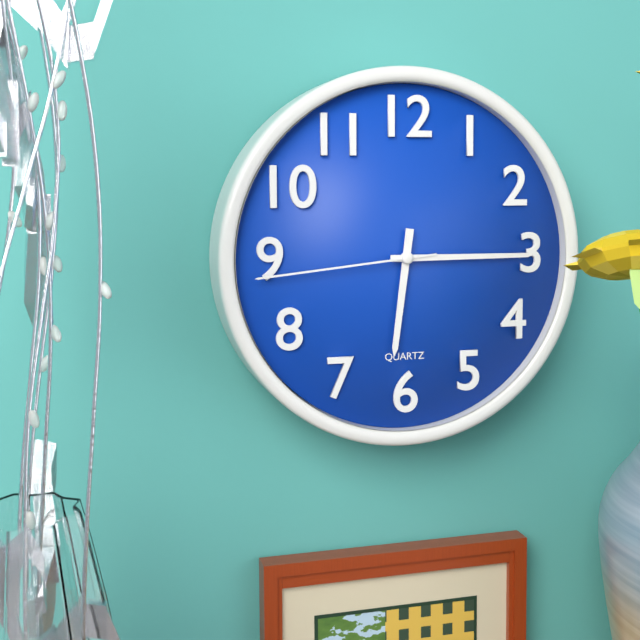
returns 6.15.44
